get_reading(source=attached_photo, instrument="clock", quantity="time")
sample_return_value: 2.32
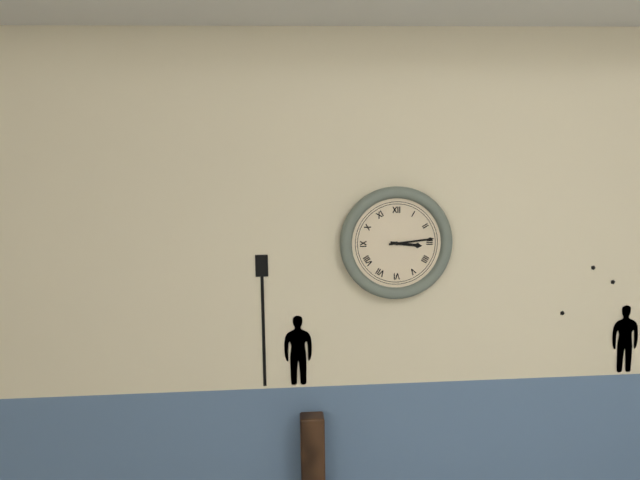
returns 3.14
